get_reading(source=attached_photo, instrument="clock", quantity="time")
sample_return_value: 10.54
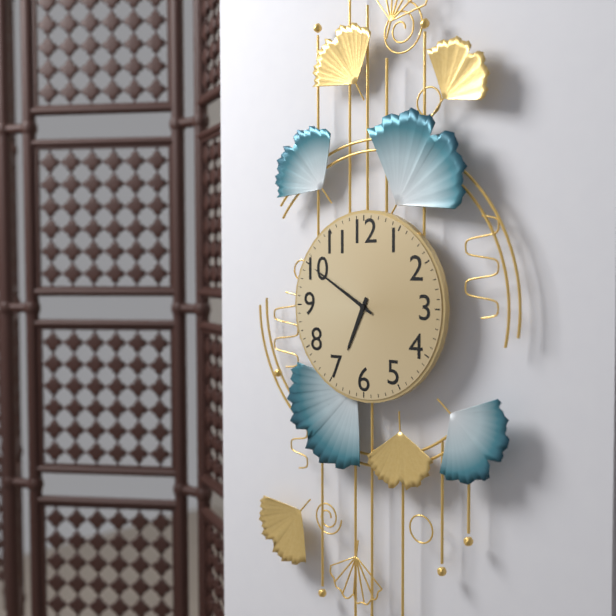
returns 6.50
